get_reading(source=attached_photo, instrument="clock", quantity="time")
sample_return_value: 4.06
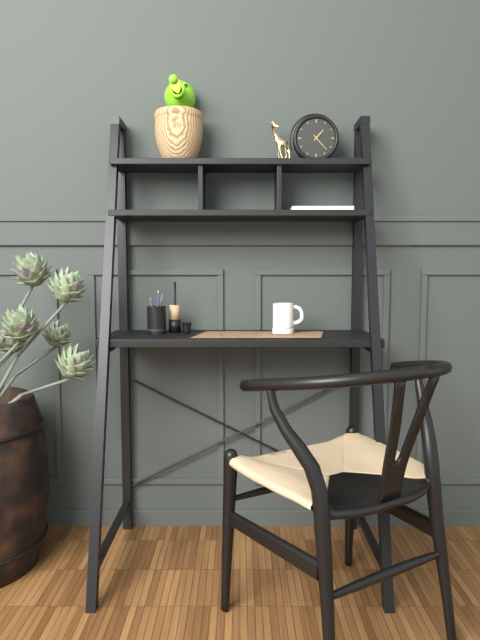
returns 1.23
